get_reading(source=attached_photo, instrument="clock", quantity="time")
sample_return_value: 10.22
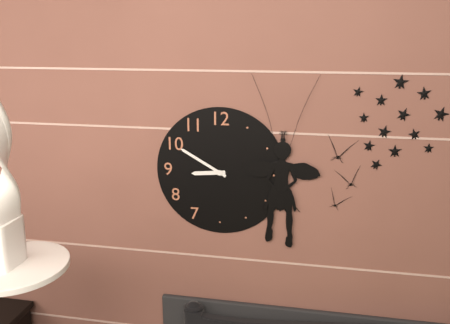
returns 8.50
